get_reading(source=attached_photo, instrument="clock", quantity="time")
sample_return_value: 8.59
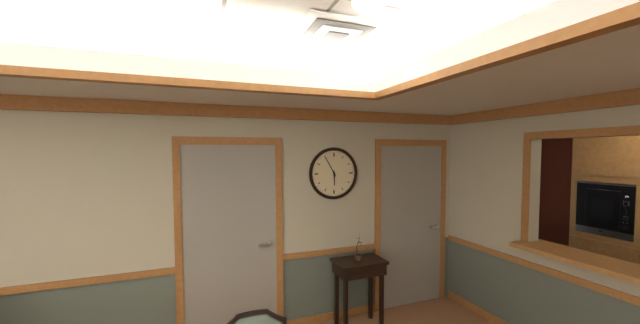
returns 5.55
